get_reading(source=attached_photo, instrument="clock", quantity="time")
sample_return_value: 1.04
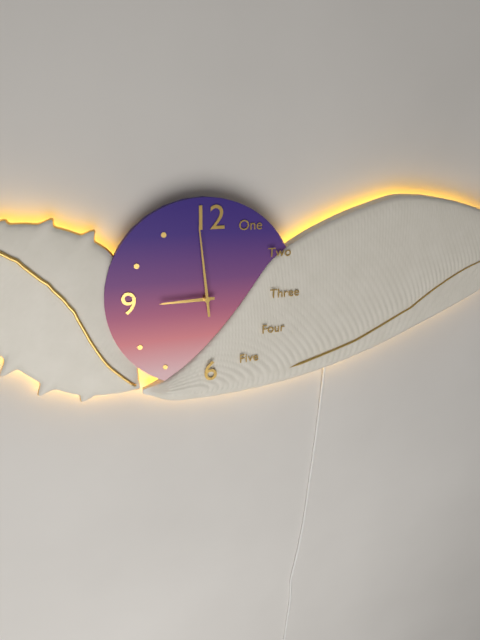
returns 8.59
